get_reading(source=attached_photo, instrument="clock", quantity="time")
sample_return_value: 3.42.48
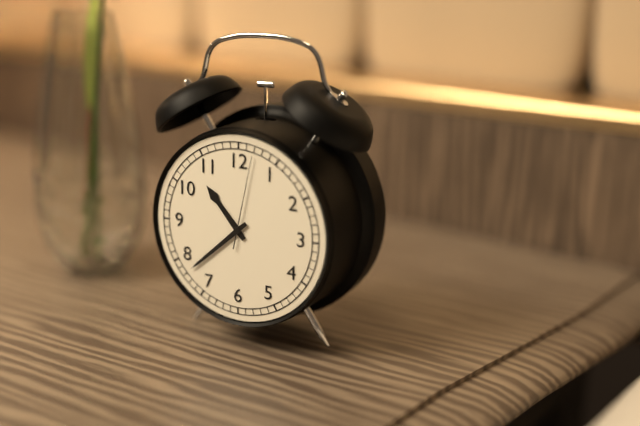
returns 10.38.02
